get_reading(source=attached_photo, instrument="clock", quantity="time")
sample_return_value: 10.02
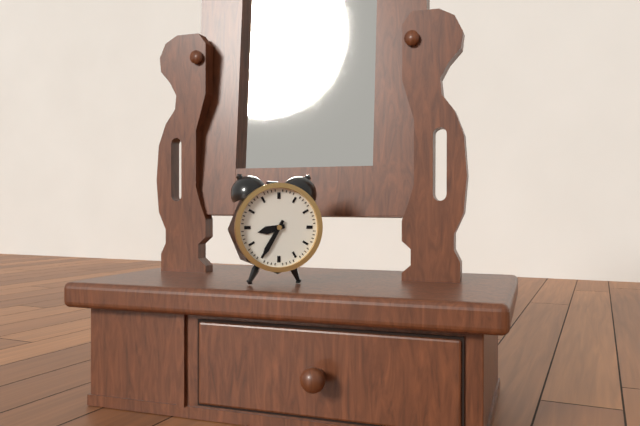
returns 8.35
